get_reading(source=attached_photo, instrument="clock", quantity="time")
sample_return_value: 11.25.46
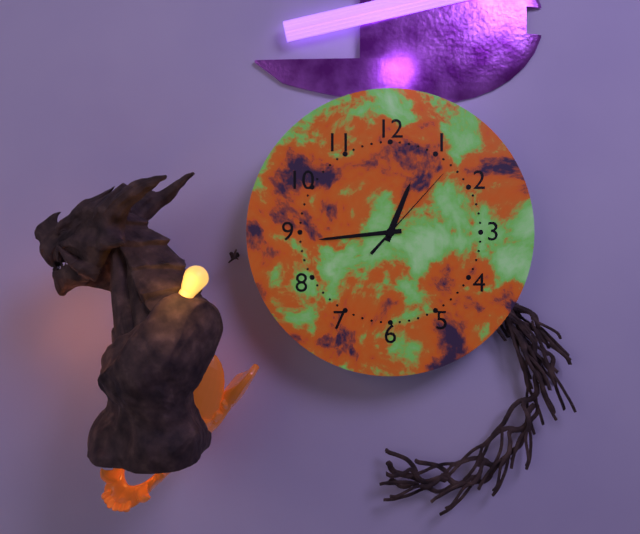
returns 12.44.07
